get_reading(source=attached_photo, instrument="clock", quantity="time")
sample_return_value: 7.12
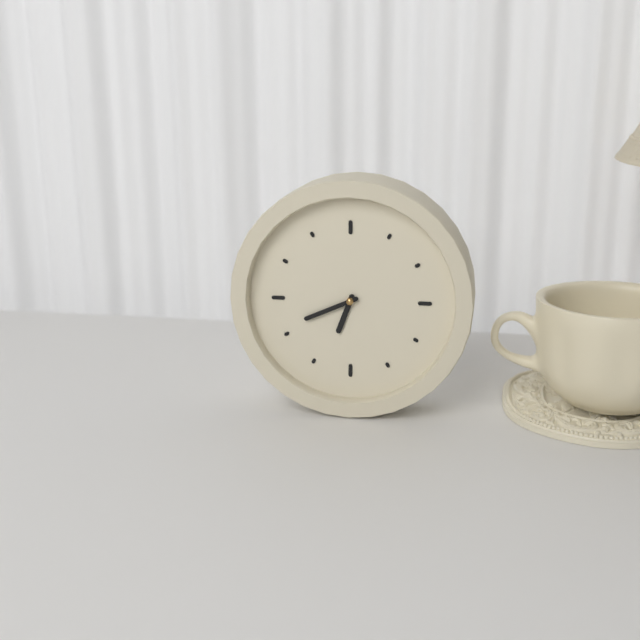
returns 6.41
